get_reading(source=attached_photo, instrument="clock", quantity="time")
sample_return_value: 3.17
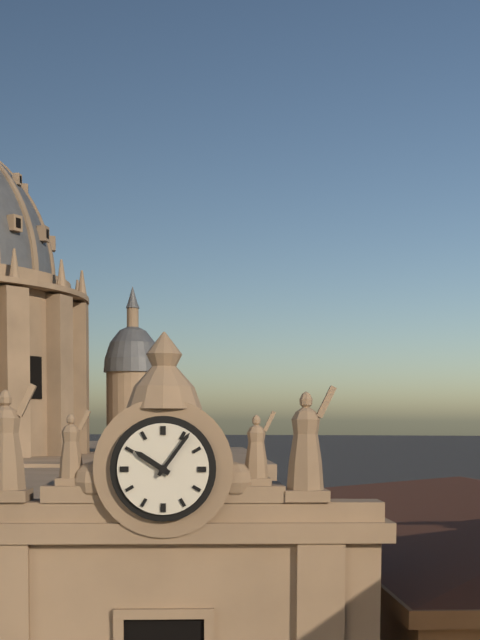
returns 10.06
